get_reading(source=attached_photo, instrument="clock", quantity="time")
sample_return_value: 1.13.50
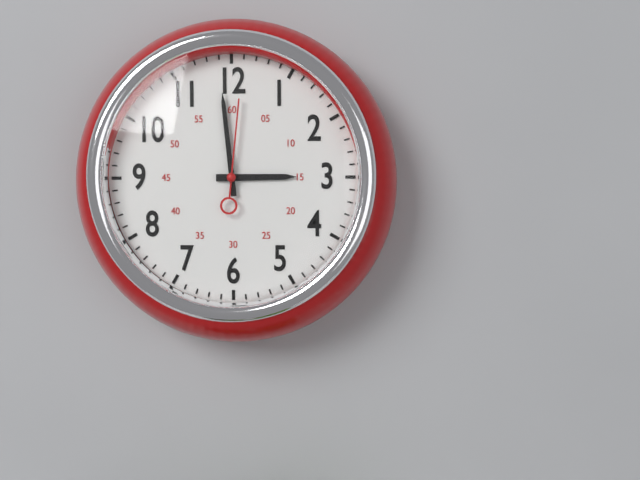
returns 2.59.01
